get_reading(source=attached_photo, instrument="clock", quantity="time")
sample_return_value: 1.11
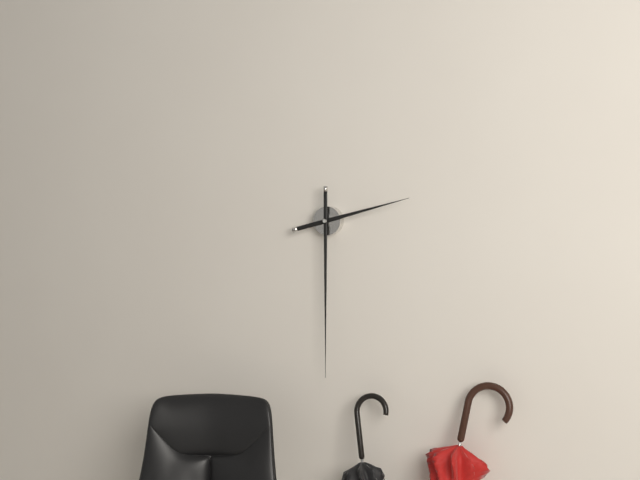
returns 2.30
